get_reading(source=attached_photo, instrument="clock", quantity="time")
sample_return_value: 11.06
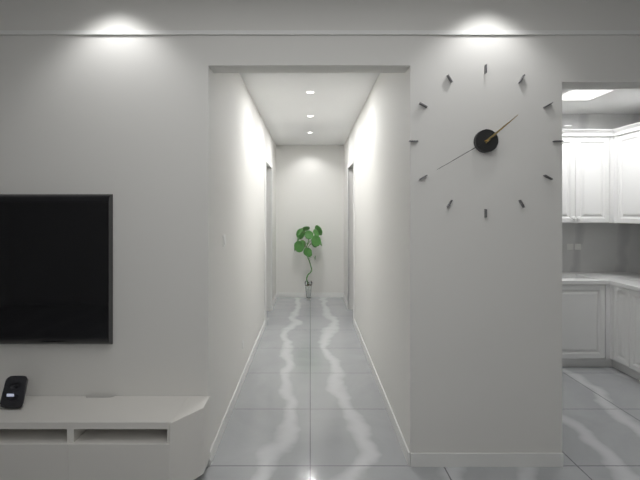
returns 1.40
